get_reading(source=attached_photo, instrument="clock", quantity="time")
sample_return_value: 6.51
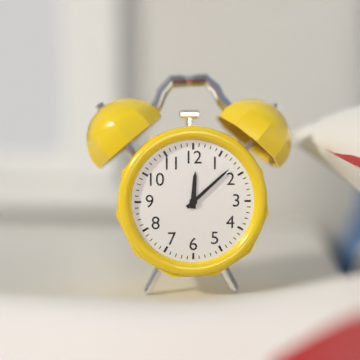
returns 12.08
